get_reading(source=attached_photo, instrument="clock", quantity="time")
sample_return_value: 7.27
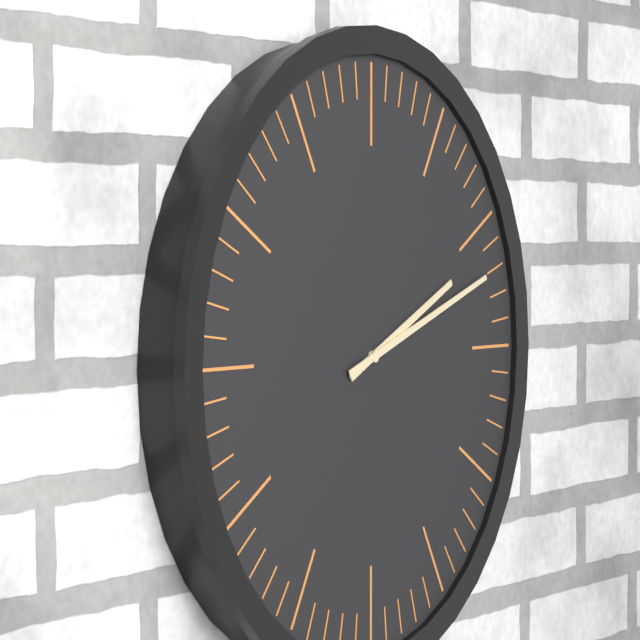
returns 2.12
